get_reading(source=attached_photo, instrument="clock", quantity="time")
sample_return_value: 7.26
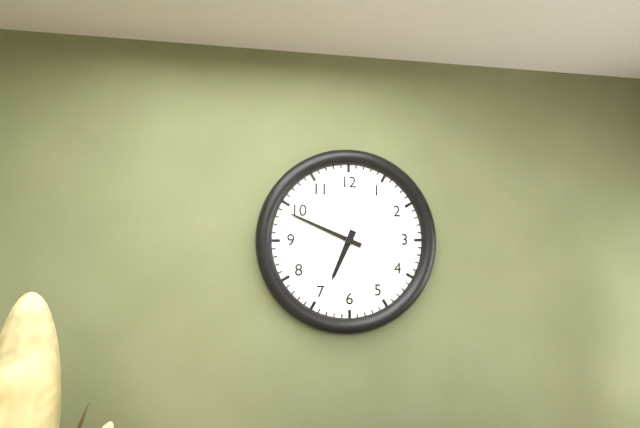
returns 6.49
